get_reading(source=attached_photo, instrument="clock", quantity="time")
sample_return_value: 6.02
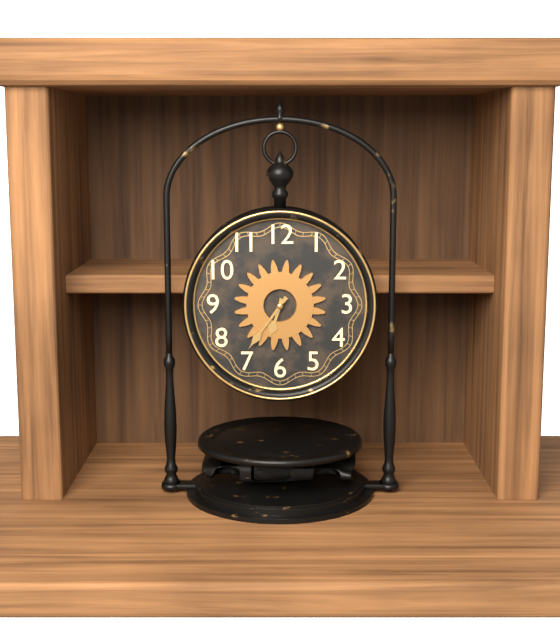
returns 6.36
